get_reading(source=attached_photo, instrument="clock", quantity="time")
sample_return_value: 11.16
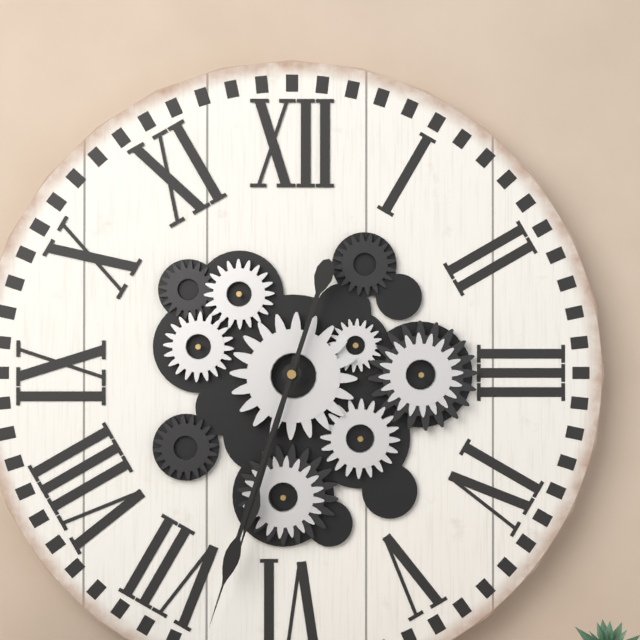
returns 6.33
